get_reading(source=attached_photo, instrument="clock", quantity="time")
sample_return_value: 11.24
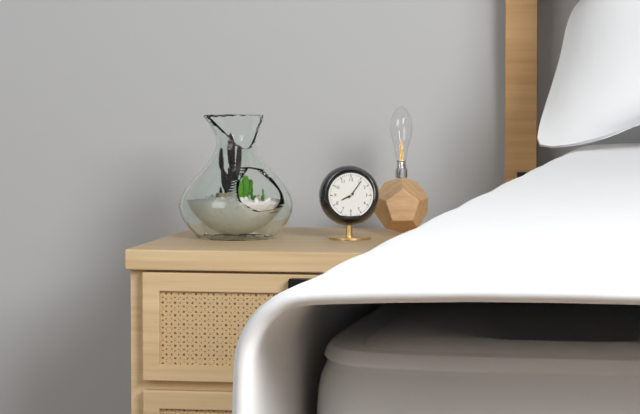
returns 8.06
